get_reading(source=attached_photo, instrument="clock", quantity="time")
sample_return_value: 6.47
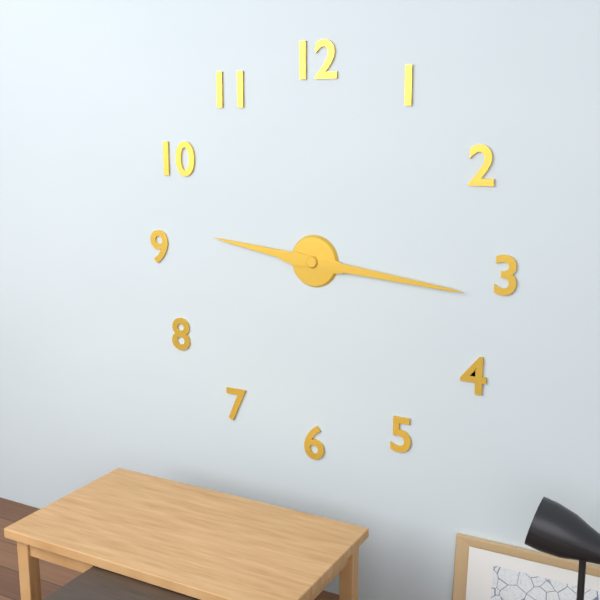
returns 9.16
